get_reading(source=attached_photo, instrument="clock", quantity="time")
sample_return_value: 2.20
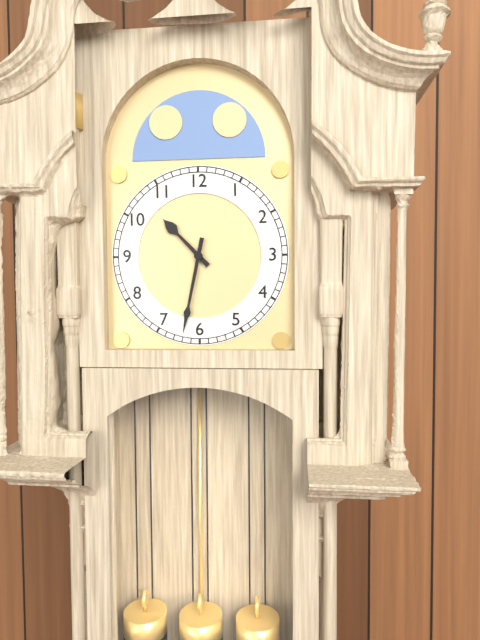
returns 10.32
